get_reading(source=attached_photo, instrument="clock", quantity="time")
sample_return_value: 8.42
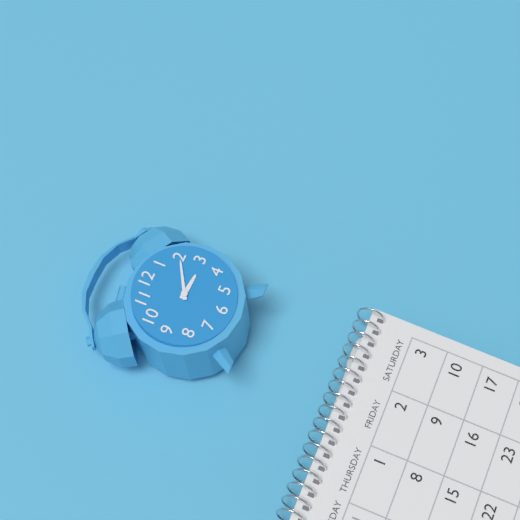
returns 3.10
